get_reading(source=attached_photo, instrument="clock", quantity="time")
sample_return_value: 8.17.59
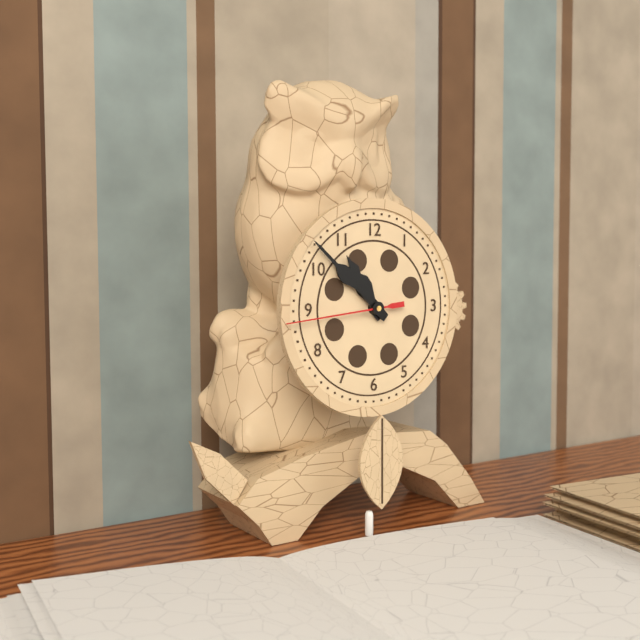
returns 10.52.44
